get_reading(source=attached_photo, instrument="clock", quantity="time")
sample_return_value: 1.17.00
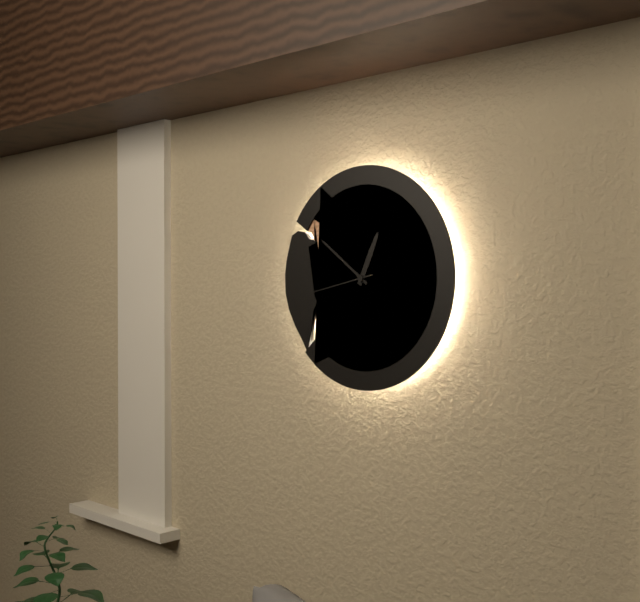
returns 12.51.43
